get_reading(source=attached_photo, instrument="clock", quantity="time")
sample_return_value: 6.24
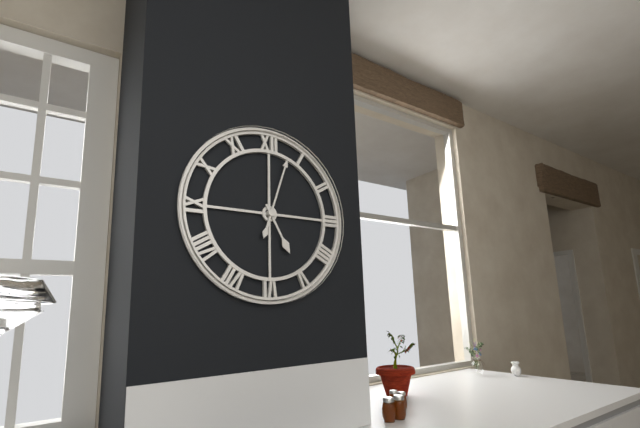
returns 5.03
